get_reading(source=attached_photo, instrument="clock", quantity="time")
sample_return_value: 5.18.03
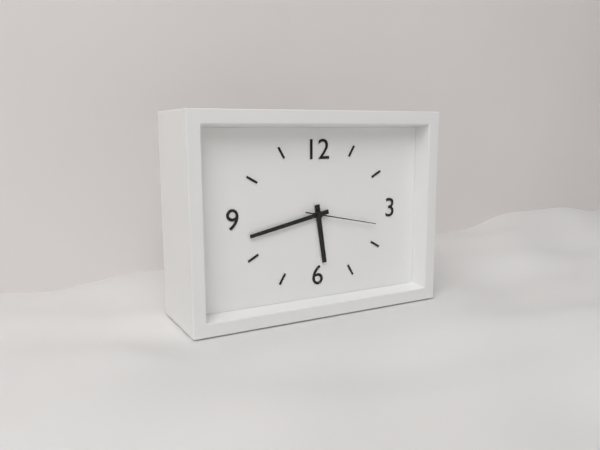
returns 5.43.17
